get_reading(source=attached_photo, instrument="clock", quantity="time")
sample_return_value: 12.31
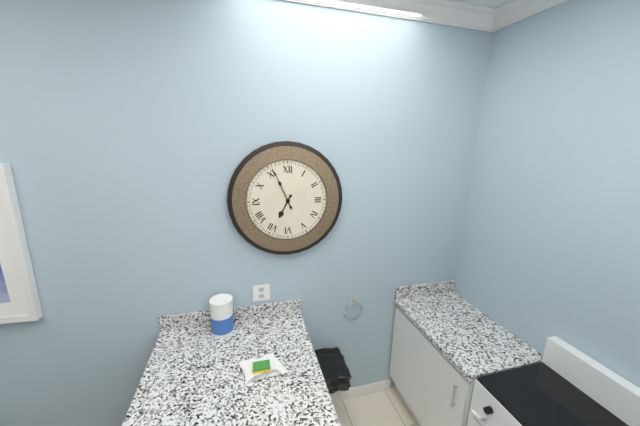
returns 6.56
